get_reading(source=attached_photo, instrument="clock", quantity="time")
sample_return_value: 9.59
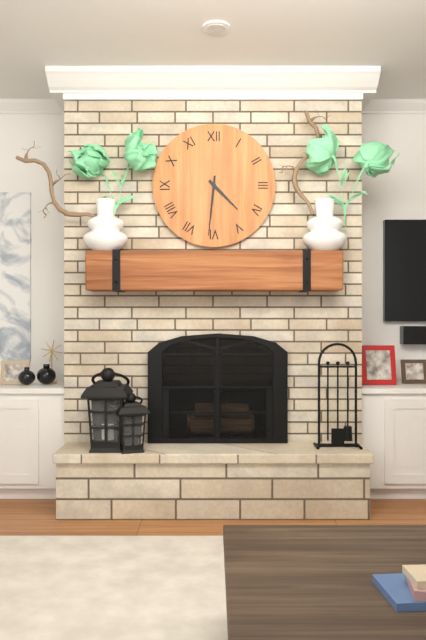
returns 4.31
